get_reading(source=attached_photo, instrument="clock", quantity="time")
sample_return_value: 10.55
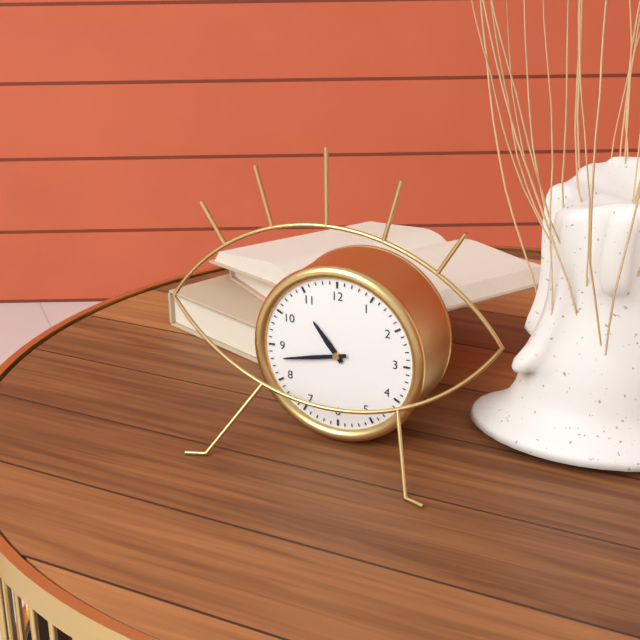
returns 10.43
